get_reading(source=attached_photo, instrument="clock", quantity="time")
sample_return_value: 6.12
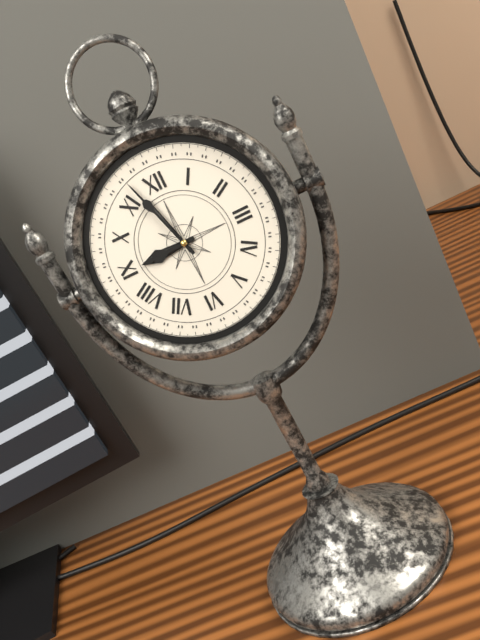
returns 8.57
